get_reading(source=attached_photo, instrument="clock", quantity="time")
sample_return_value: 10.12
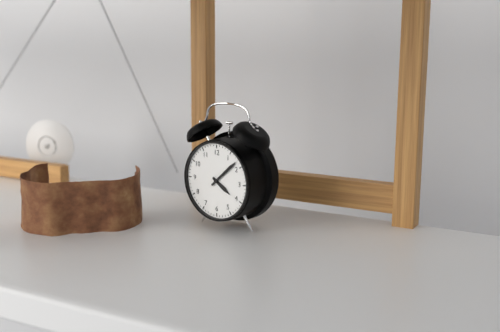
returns 4.08
